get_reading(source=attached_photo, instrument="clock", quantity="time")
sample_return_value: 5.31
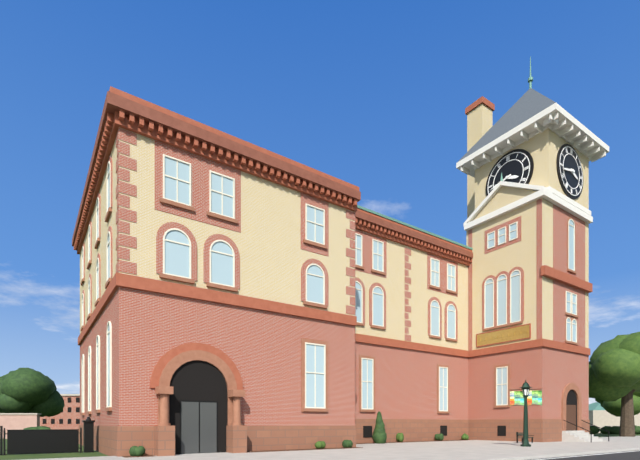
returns 3.43
